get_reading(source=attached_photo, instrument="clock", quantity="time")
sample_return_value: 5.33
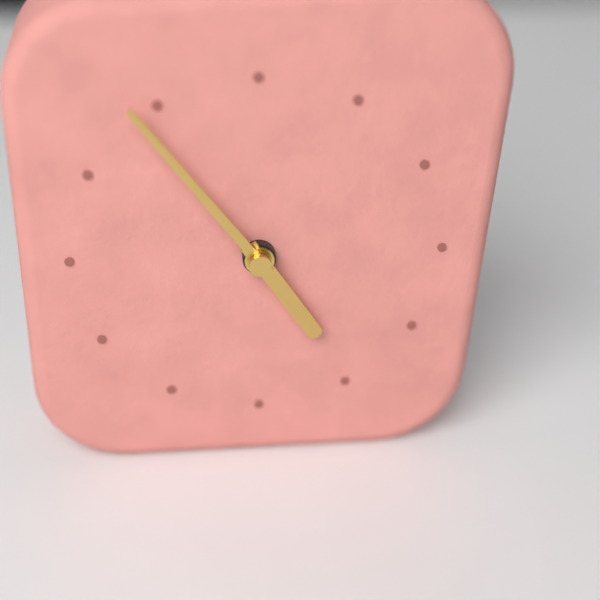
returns 4.54
